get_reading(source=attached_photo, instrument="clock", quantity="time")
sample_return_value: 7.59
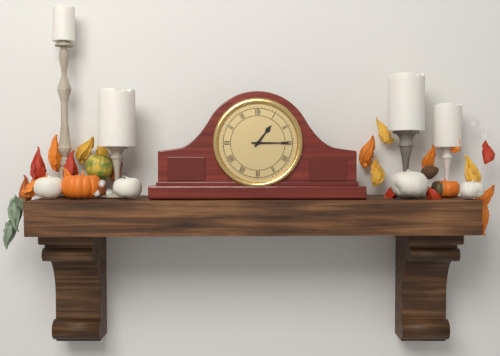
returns 1.15
